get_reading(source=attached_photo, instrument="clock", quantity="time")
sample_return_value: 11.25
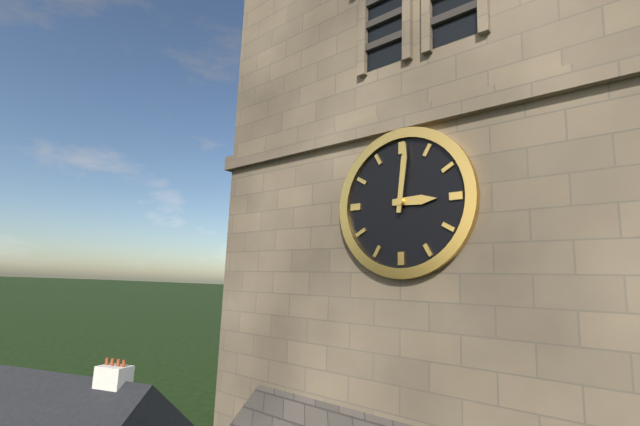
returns 3.01
